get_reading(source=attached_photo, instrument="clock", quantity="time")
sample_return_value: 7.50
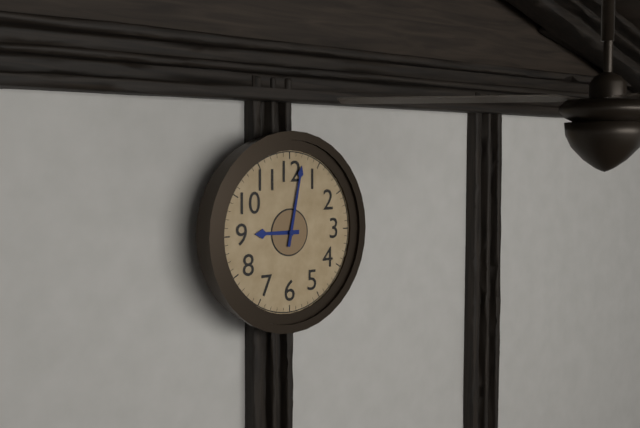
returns 9.02
